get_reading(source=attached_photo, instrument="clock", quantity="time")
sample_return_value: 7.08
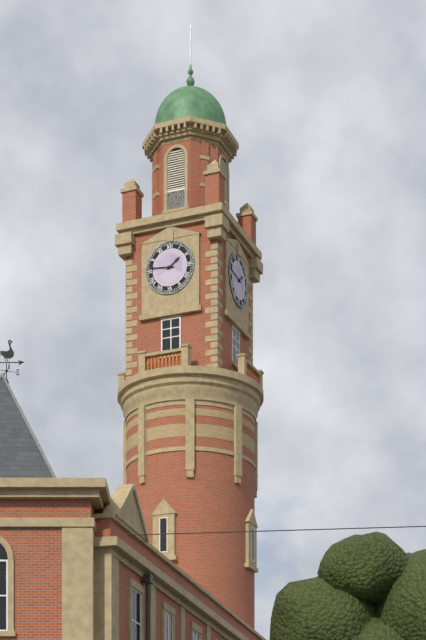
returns 1.46
